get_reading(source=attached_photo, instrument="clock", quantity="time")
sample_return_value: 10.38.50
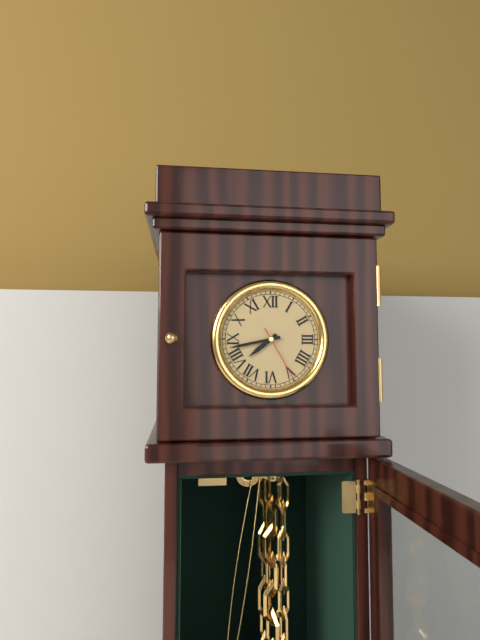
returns 7.43.25
